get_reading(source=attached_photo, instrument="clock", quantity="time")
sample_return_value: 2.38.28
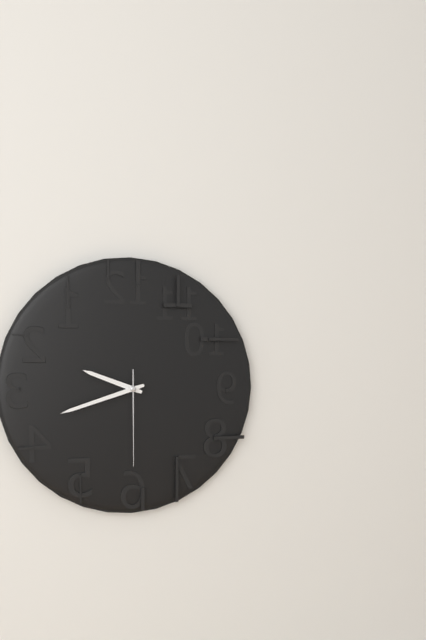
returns 9.42.30
